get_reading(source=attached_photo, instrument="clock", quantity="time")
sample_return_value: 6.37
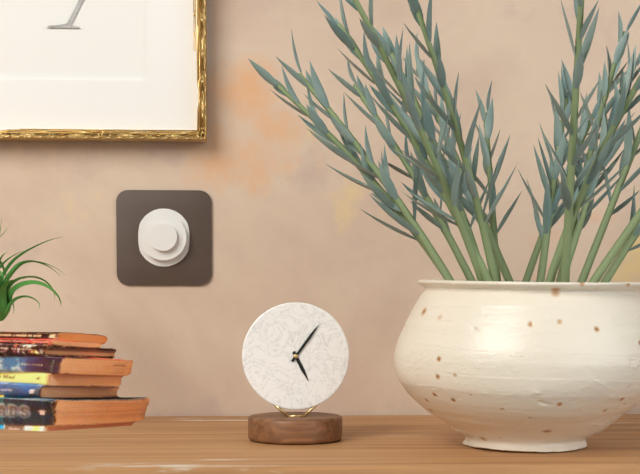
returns 5.06
